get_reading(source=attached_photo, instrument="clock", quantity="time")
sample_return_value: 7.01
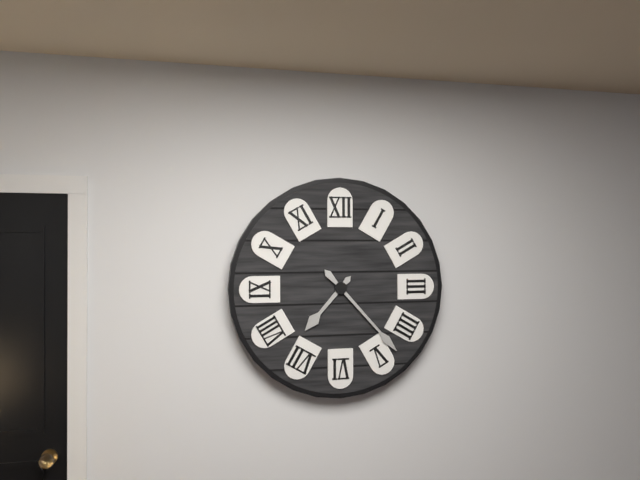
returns 7.23
